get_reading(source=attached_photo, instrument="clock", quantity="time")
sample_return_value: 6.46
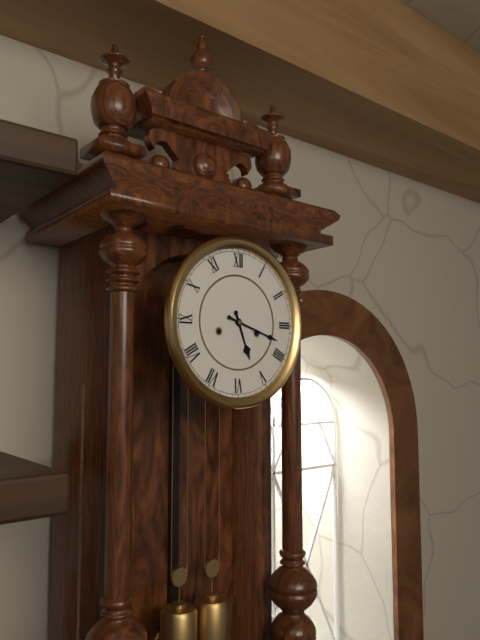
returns 5.18
